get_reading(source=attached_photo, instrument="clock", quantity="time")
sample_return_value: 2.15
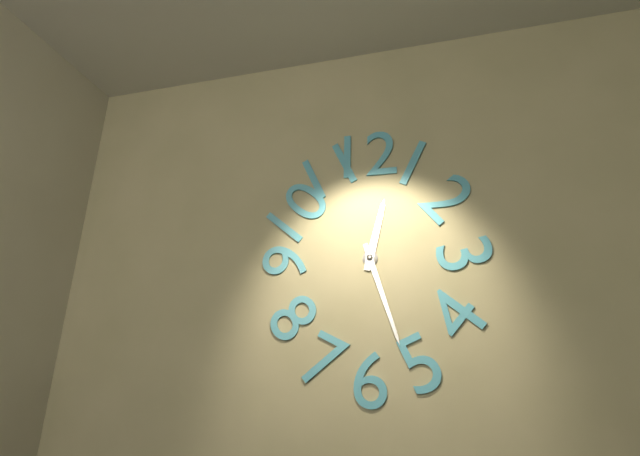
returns 12.27
